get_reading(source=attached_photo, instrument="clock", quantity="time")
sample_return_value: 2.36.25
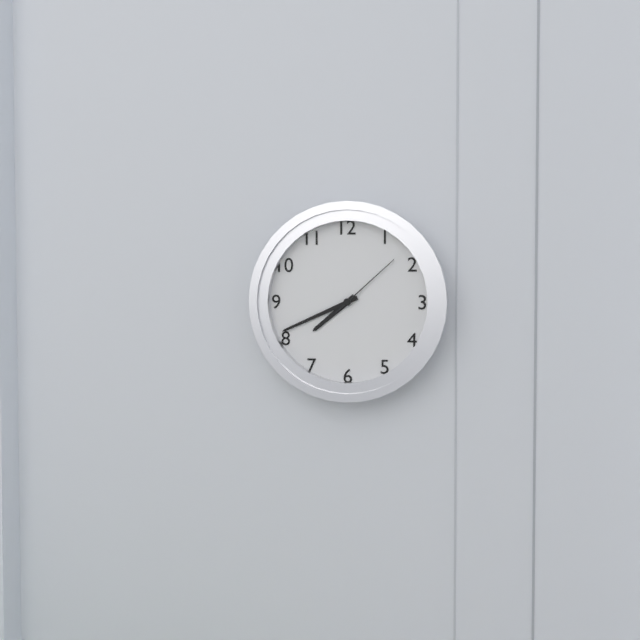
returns 7.41.08
